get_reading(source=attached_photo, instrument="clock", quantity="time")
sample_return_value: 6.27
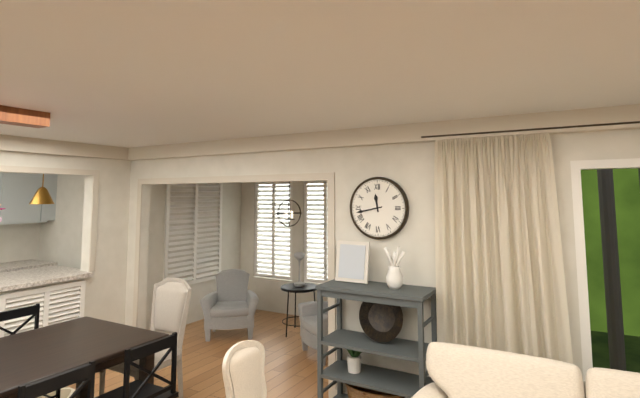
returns 11.43
